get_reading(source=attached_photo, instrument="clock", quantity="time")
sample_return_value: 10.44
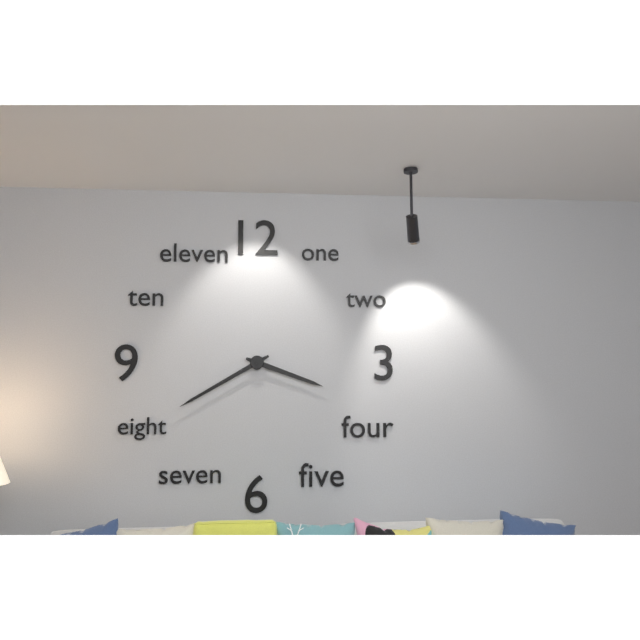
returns 3.40
